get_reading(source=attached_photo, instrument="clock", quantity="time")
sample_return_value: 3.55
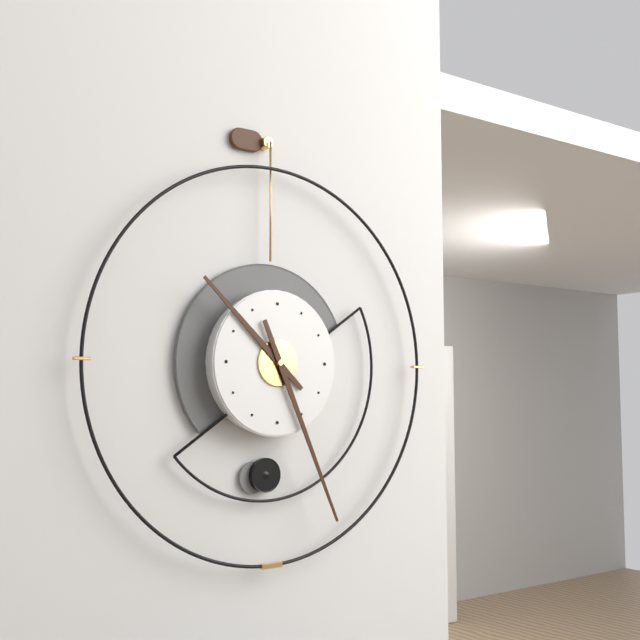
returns 10.26
